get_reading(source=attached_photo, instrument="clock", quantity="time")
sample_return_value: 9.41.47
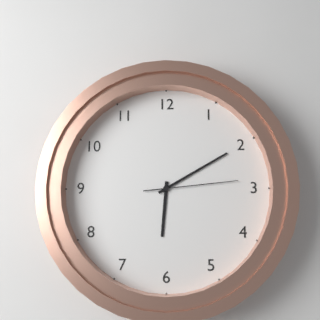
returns 6.10.14
